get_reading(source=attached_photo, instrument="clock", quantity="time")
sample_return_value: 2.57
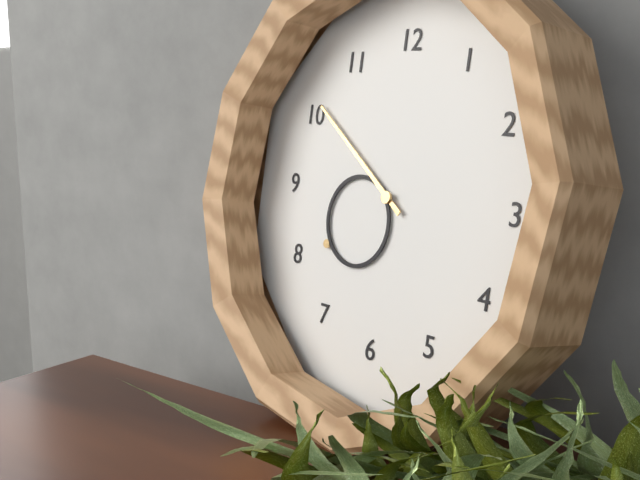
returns 7.51
